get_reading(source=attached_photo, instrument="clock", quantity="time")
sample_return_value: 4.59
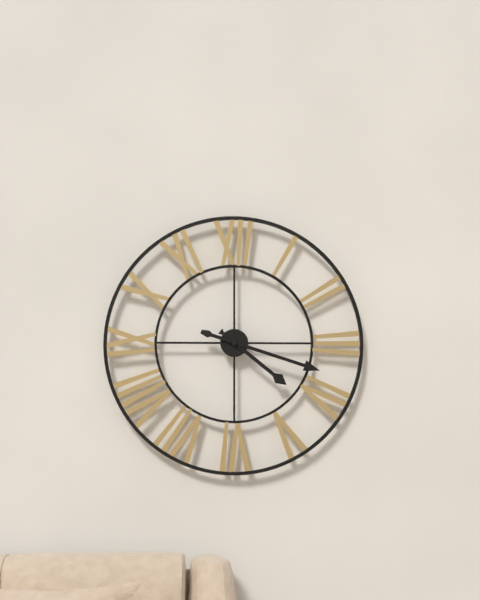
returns 4.18
